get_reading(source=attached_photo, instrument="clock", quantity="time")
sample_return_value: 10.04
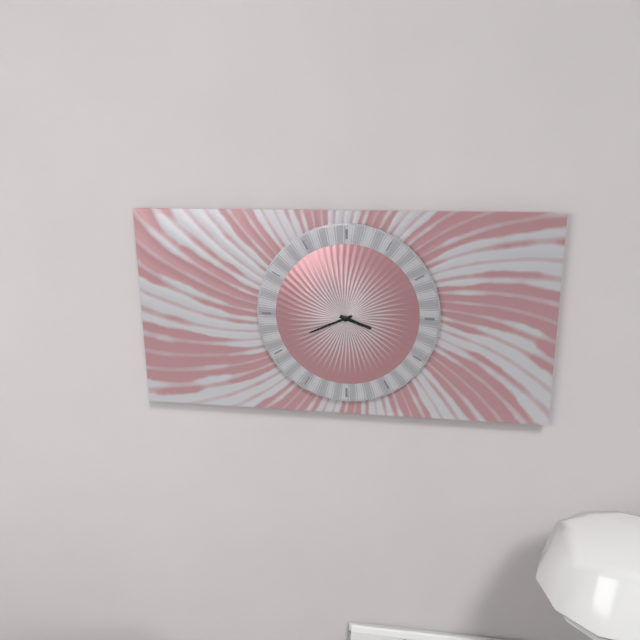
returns 3.41
